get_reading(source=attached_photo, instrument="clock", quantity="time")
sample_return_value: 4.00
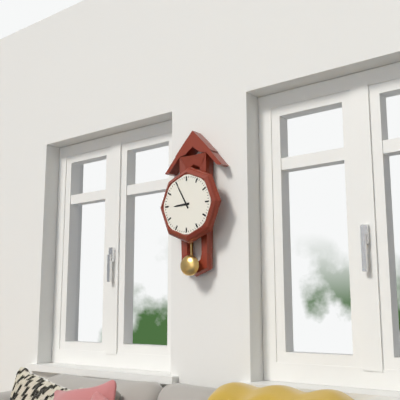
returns 8.55
